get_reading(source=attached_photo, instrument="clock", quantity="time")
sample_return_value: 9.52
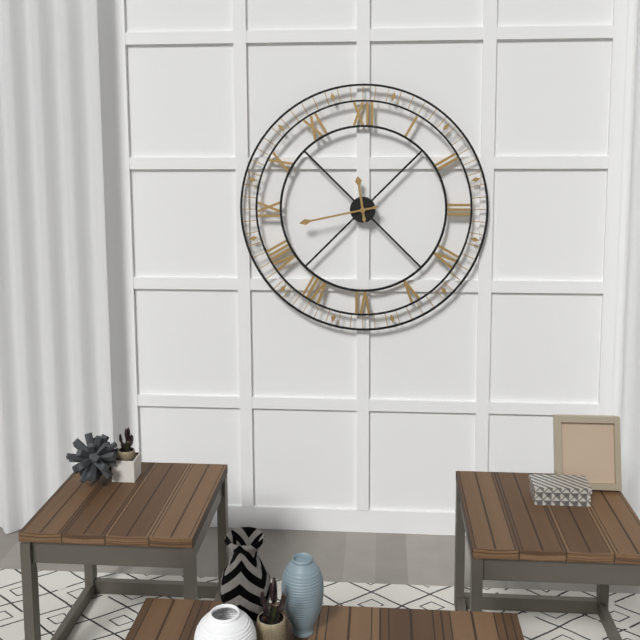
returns 11.43
